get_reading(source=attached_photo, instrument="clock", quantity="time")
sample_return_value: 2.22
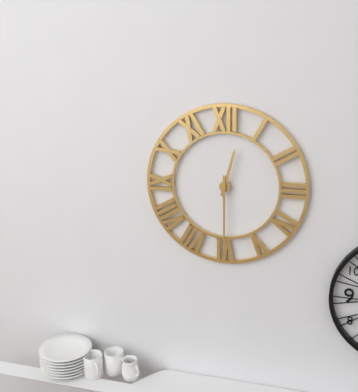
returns 12.30
